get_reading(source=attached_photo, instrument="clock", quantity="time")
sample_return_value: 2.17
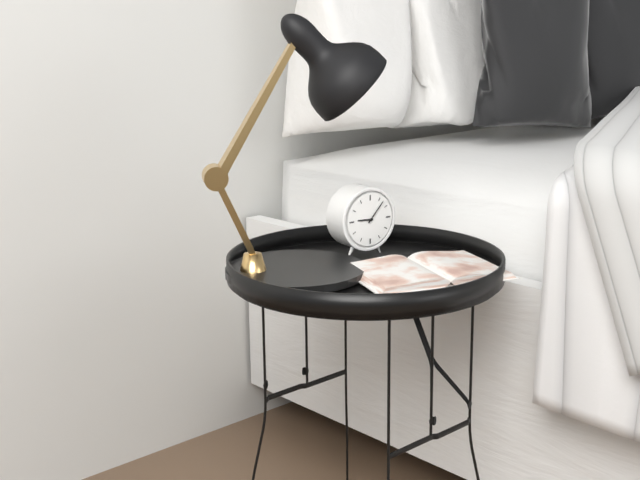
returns 9.07
